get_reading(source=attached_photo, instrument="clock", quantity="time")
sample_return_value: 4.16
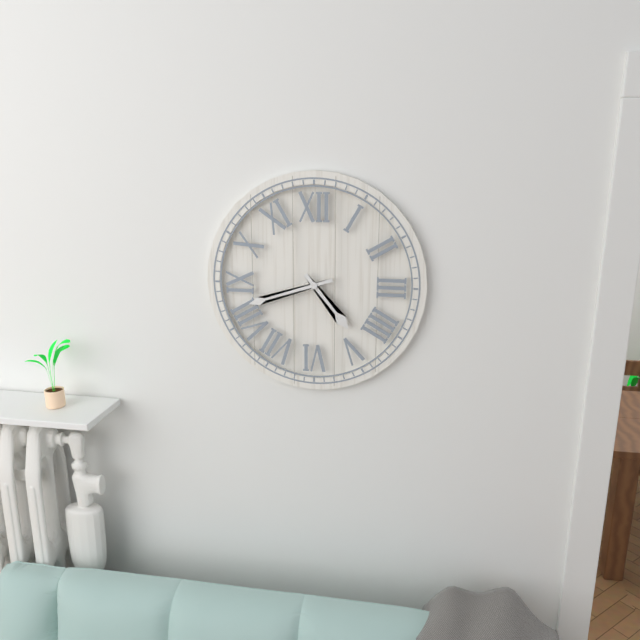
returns 4.42
